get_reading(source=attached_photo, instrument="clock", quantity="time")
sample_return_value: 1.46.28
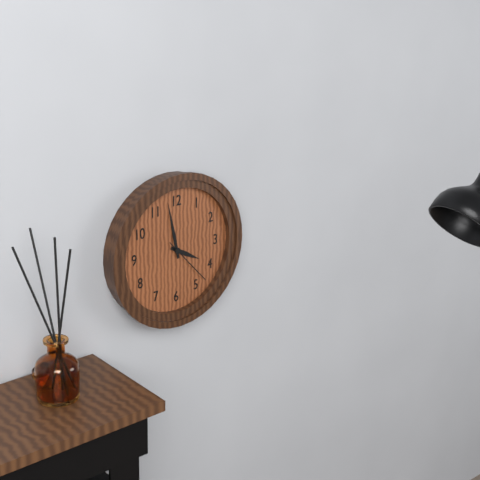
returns 3.58.23
